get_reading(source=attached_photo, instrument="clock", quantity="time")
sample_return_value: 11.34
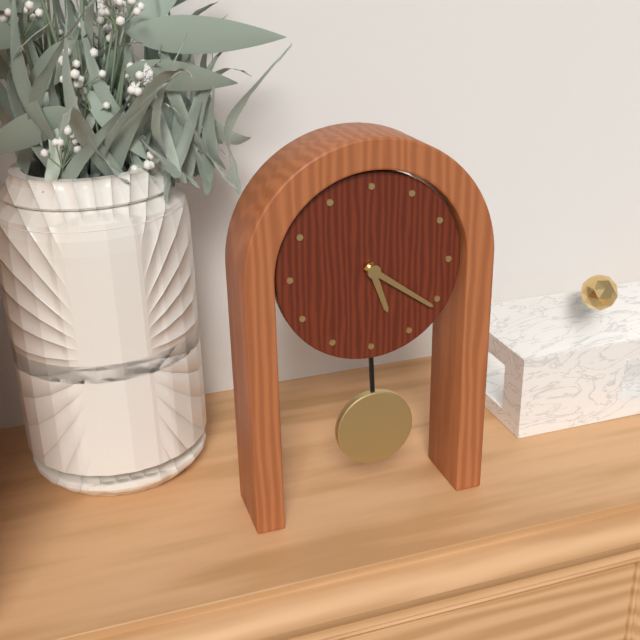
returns 5.21
